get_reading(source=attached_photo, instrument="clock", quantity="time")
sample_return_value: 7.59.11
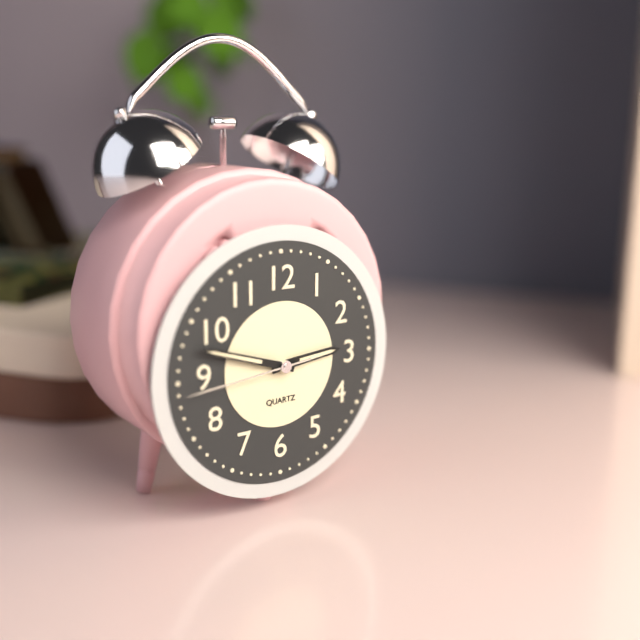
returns 2.48.44
